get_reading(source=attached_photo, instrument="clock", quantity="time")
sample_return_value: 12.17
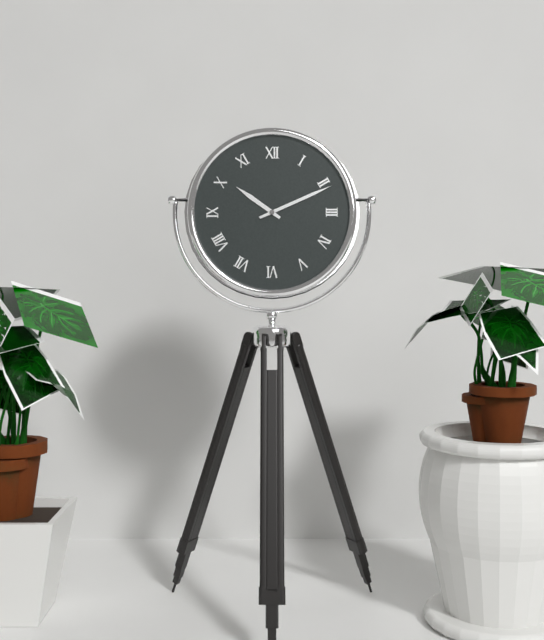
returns 10.11
